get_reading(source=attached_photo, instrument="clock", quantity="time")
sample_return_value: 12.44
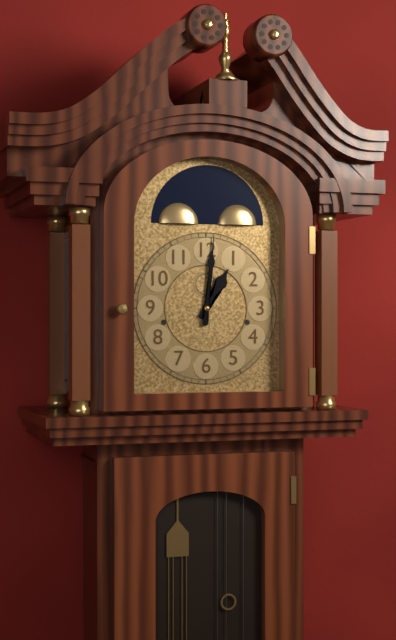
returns 1.01
